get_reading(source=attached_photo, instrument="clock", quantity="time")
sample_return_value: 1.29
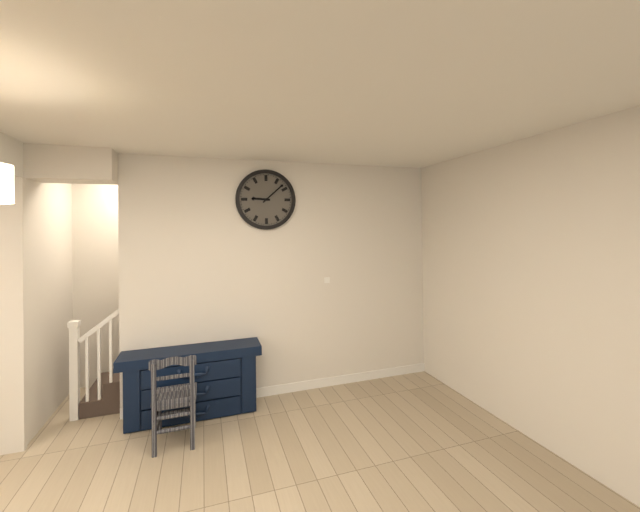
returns 9.08
